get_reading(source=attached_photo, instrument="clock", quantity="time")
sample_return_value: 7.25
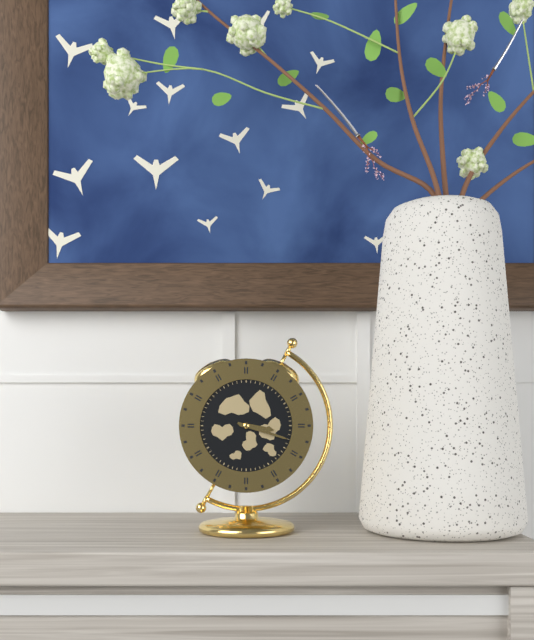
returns 3.18
